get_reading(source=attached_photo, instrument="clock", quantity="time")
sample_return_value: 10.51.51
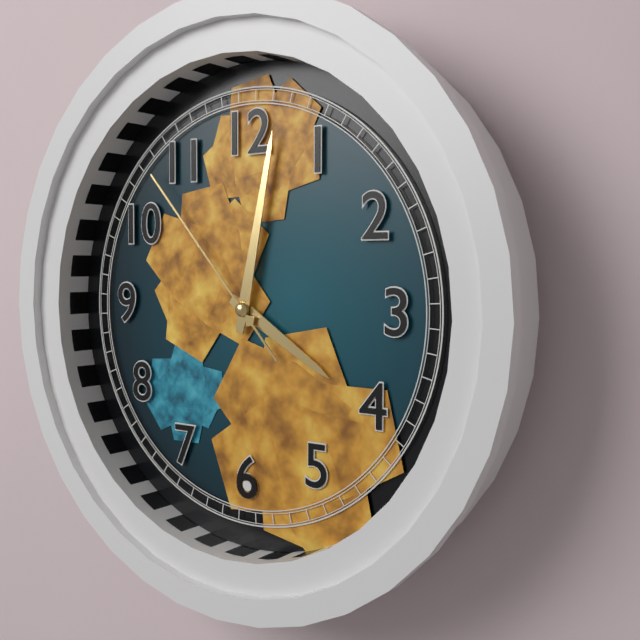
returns 4.02.53
